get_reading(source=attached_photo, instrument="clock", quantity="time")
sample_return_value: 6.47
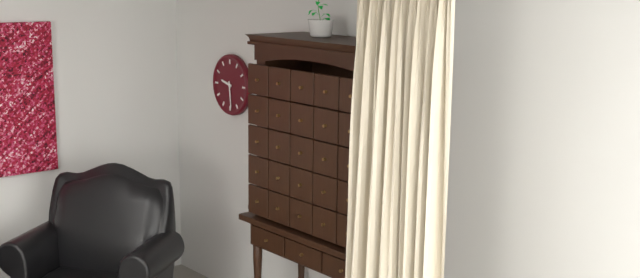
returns 9.29
